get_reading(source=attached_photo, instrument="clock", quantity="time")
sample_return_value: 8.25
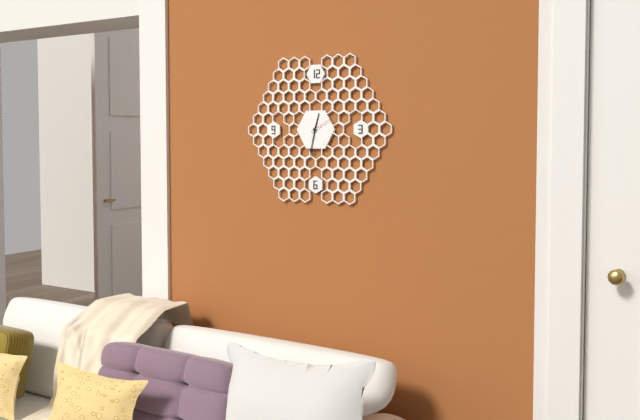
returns 12.32
